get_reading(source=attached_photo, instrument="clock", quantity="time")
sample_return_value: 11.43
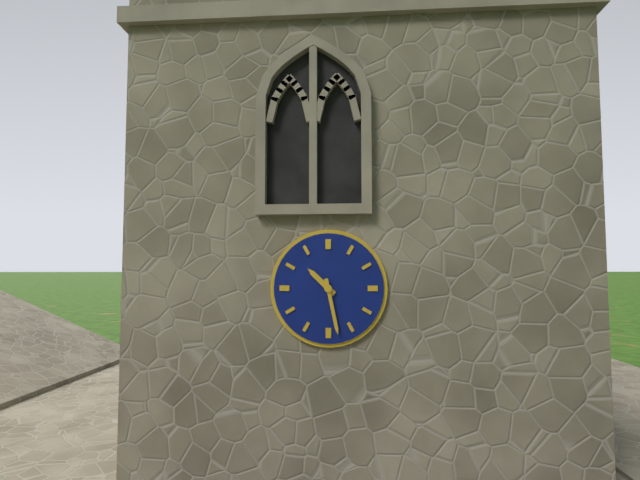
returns 10.28
